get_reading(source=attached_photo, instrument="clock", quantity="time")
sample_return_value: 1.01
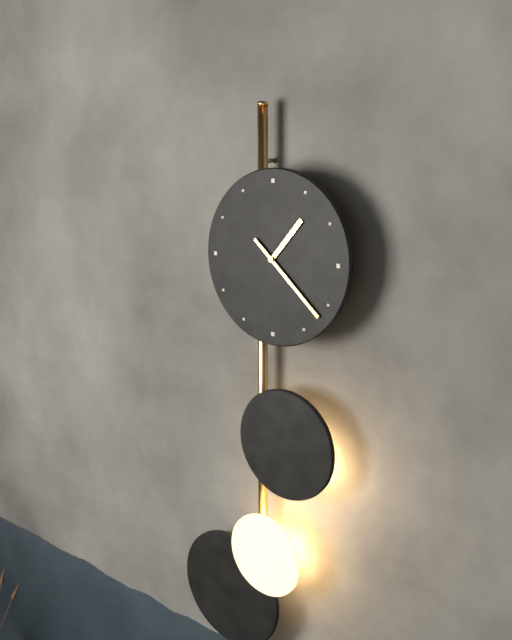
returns 1.22
